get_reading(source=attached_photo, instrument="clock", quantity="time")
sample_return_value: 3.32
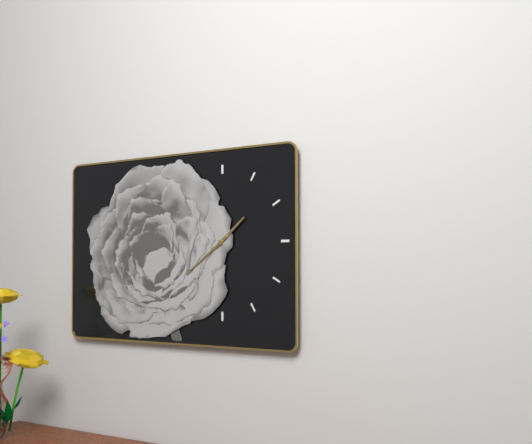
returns 1.39
